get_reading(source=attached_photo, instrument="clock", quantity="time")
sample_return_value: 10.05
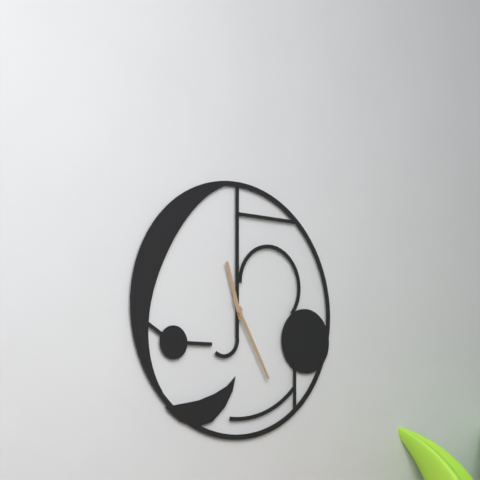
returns 11.25
